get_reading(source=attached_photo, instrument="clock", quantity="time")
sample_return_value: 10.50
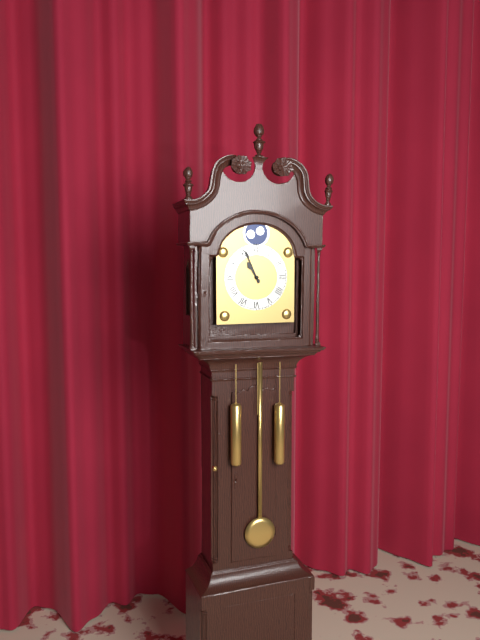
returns 10.56
